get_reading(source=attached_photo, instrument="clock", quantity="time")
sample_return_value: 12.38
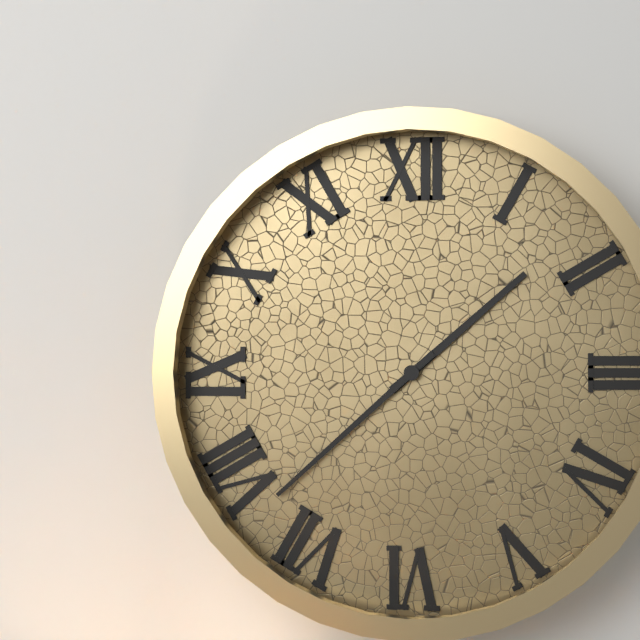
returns 1.38
